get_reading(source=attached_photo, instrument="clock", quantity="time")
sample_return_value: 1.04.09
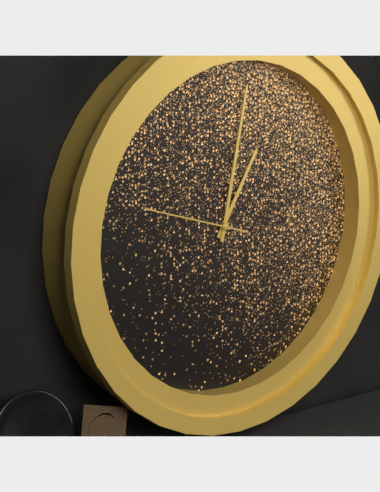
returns 1.02.48
